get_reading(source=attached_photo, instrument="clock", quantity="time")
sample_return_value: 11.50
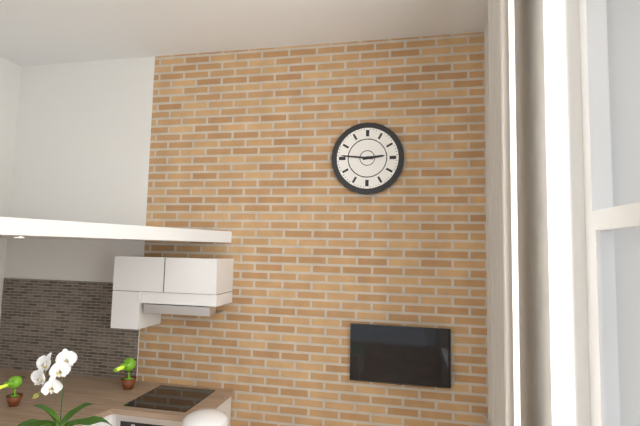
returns 2.46
